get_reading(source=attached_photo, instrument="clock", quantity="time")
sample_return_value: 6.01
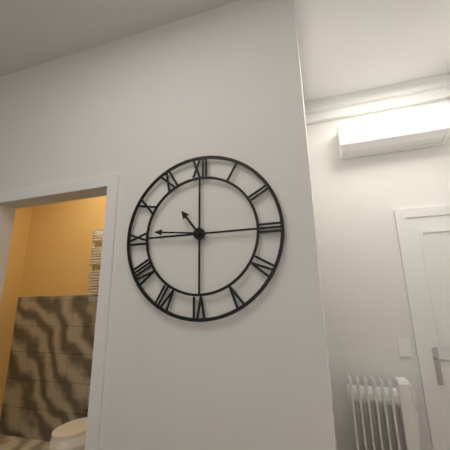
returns 10.46
